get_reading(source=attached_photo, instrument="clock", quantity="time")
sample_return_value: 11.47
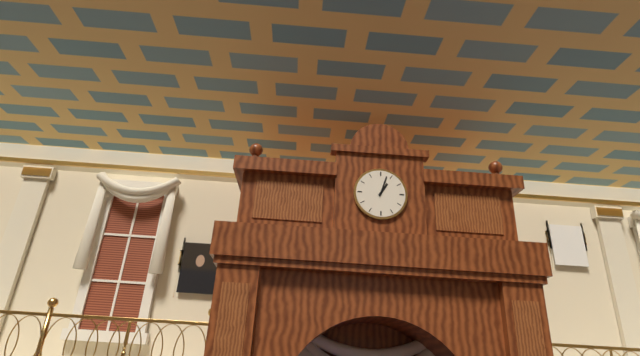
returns 1.03
